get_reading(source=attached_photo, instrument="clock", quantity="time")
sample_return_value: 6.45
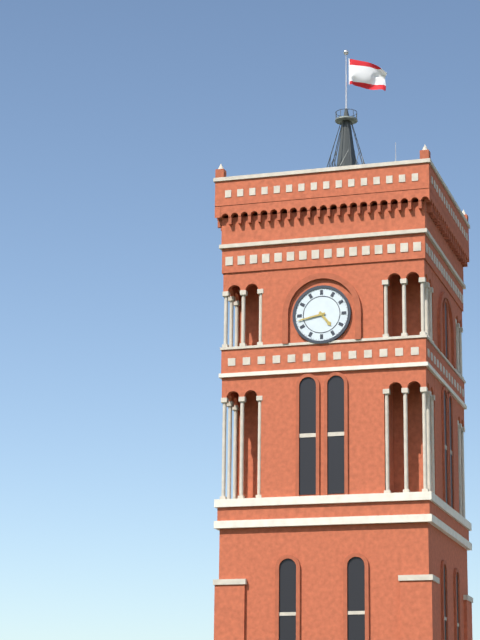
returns 4.43
